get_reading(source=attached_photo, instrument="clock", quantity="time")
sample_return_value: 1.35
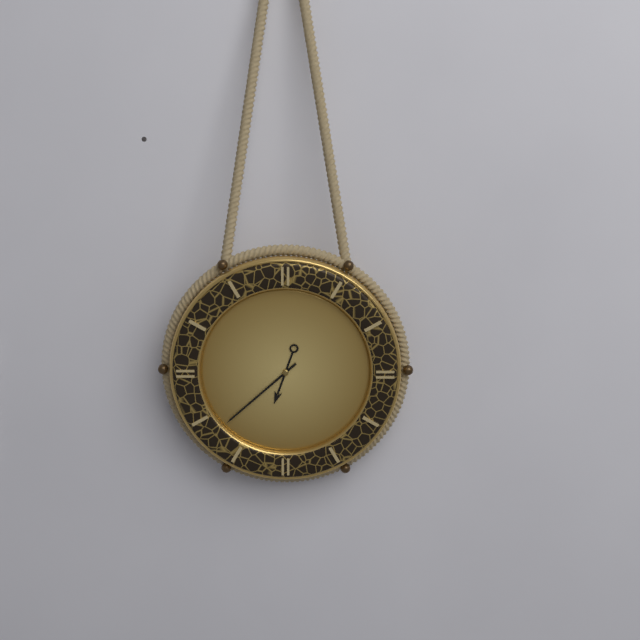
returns 6.38
